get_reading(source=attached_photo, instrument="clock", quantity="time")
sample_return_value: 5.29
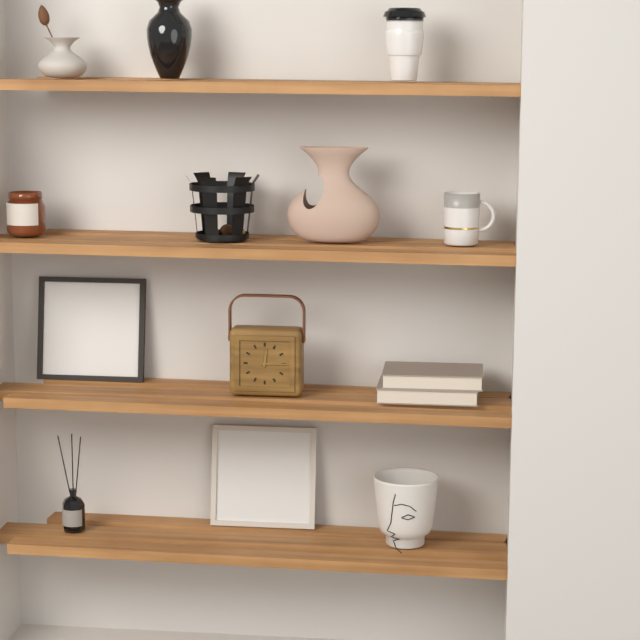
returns 12.15
